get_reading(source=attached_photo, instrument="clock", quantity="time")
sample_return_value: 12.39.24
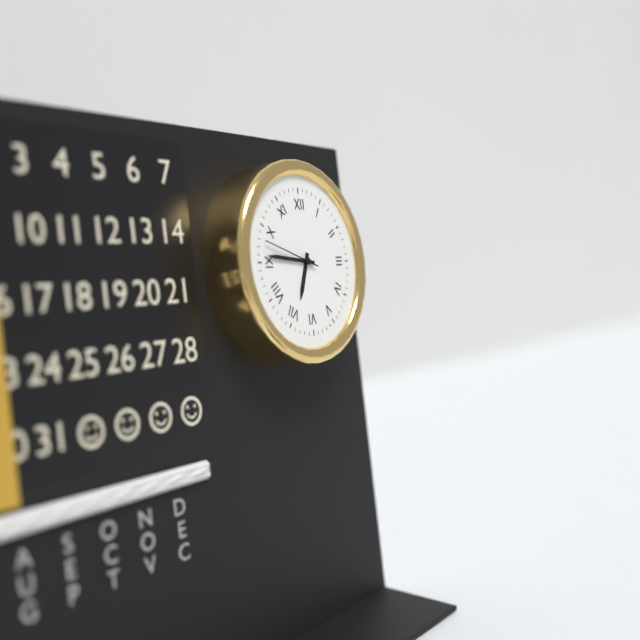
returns 6.46.48
